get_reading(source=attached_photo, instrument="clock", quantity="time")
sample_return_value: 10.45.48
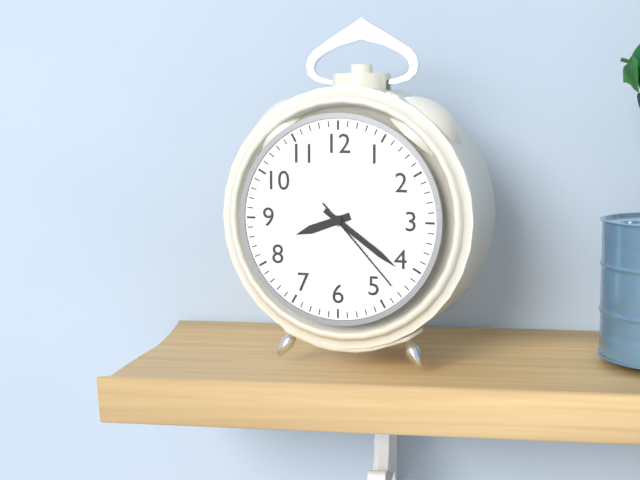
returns 8.21.23
